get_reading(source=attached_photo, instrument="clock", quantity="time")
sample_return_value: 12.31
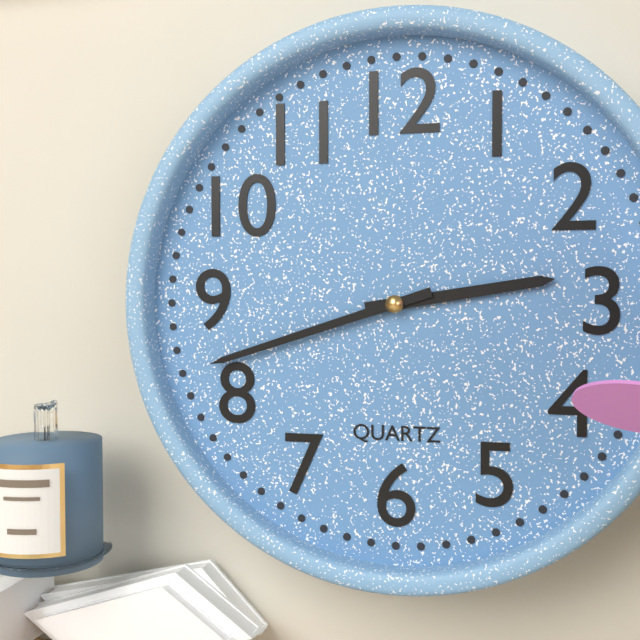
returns 2.42
